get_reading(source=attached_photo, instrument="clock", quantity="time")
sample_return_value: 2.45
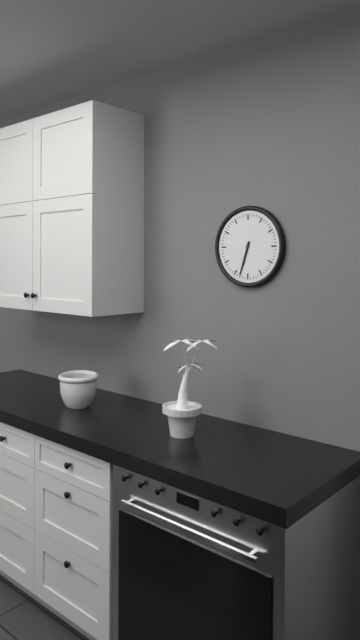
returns 6.33
